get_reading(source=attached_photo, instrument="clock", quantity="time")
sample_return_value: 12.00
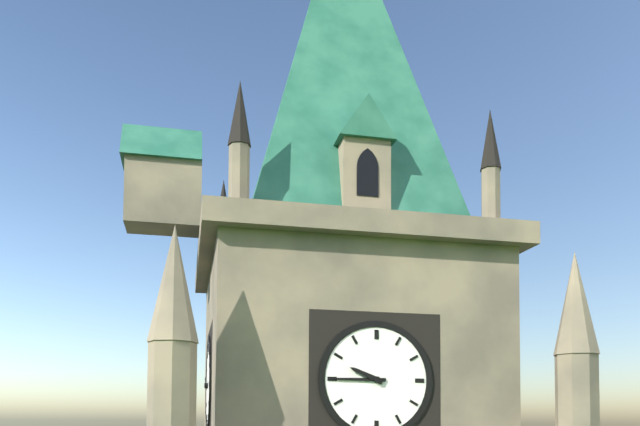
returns 9.45
